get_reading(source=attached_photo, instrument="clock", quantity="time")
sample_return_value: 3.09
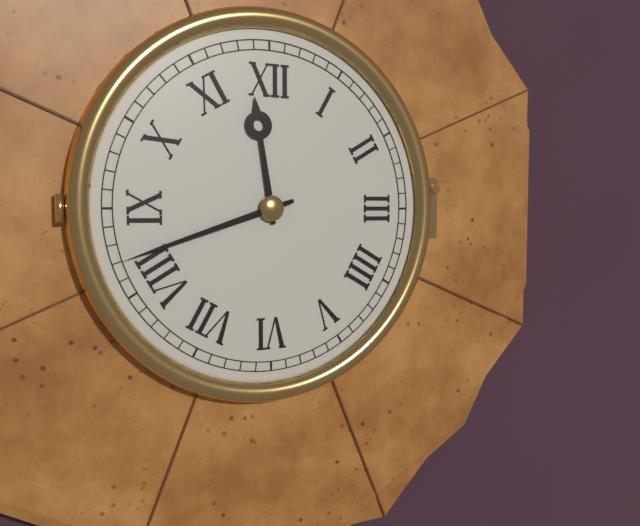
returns 11.42
